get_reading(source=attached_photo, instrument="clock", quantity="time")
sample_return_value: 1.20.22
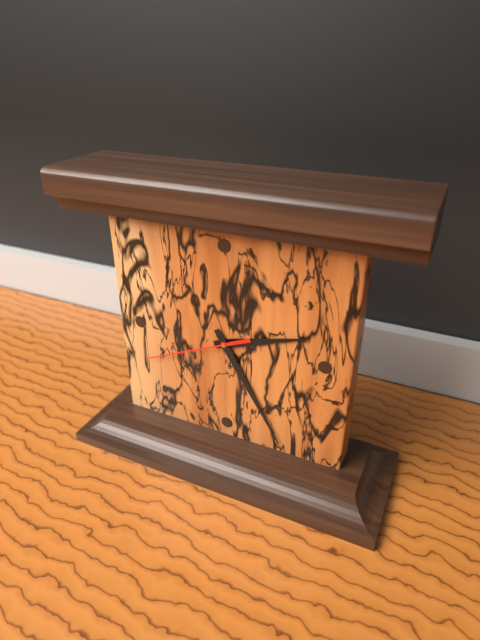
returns 2.25.41
